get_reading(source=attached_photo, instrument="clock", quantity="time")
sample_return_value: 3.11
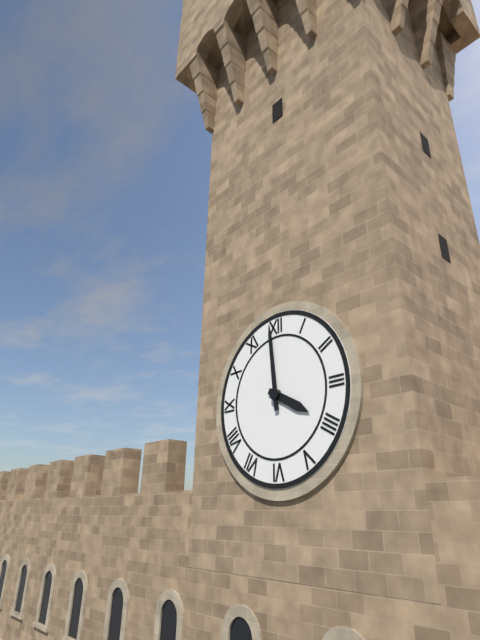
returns 3.59
